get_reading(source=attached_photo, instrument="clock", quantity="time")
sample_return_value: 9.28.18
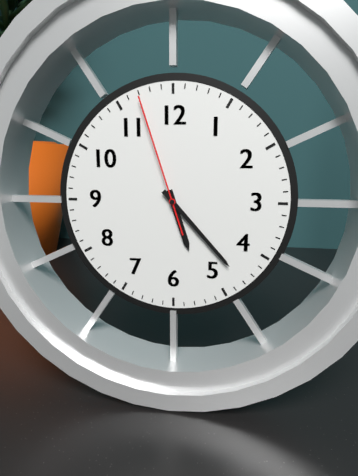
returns 5.23.57
